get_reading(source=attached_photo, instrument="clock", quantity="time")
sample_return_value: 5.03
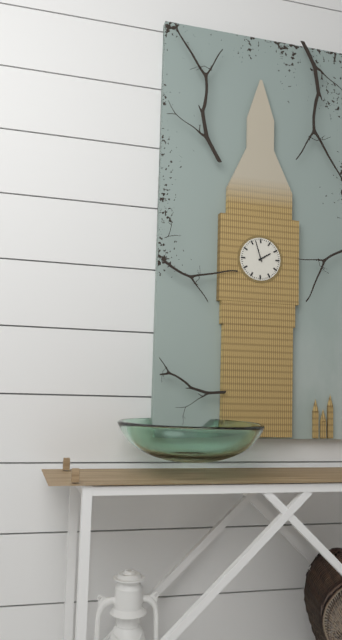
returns 1.57
